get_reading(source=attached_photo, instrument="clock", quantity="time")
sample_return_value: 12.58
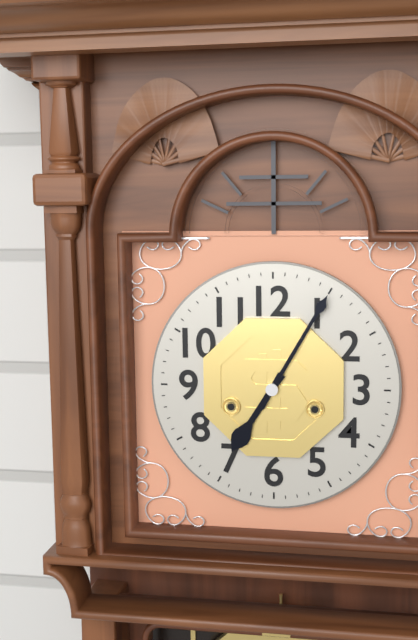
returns 7.05
